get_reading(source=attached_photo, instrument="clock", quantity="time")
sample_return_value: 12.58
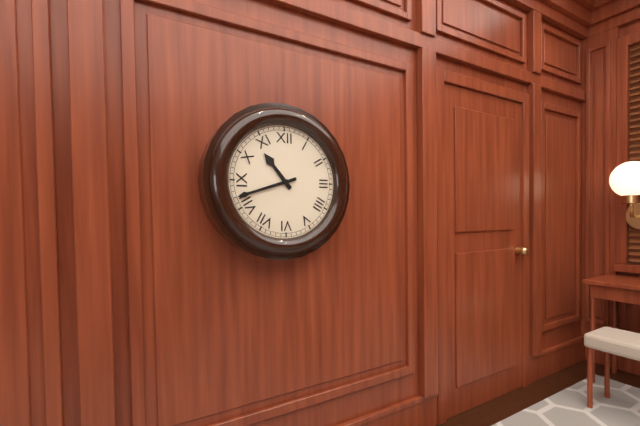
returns 10.42
